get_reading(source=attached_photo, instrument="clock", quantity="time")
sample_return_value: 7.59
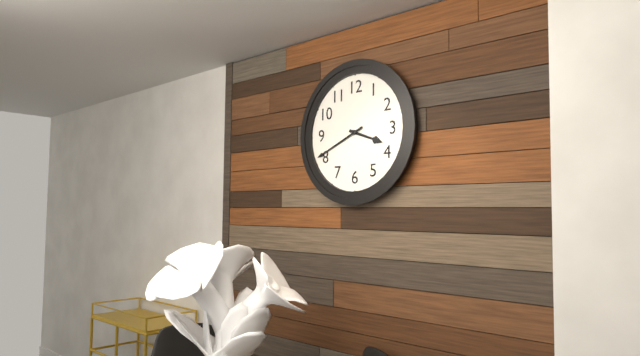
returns 3.41
